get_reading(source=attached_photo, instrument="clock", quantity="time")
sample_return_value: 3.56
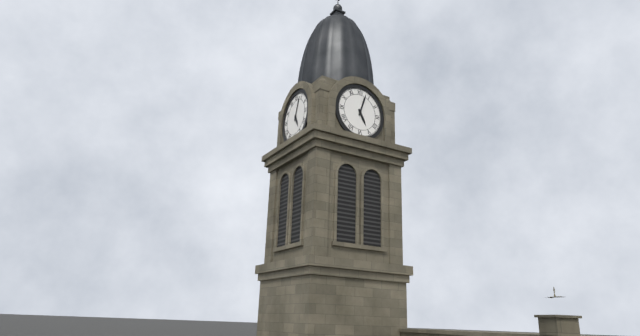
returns 5.03
